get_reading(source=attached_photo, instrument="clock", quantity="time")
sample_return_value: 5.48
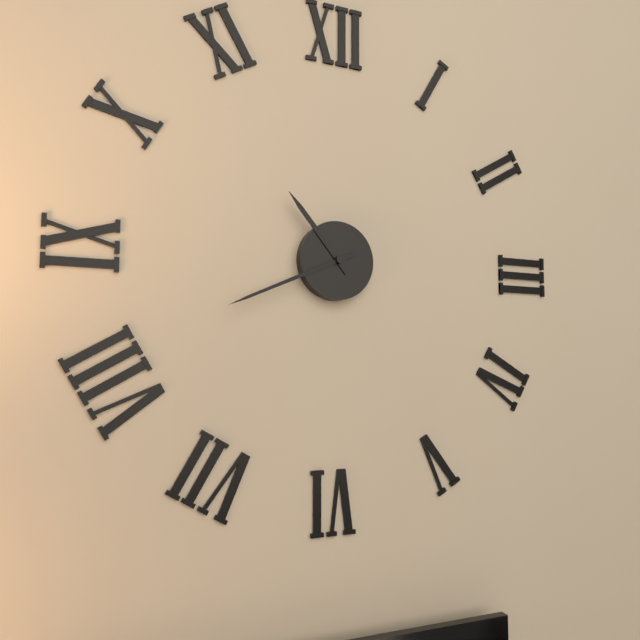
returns 10.41
